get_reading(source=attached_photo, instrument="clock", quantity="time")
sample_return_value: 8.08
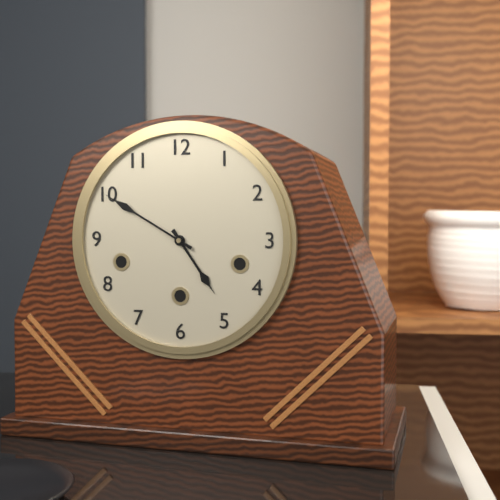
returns 4.50
